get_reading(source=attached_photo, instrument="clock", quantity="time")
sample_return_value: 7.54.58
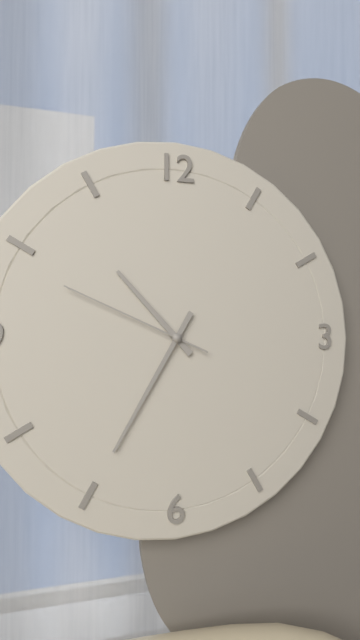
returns 10.35.49
